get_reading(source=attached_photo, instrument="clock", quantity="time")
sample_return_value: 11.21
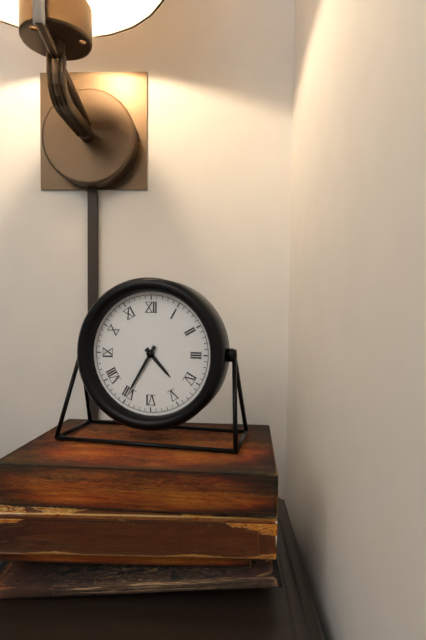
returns 4.35
